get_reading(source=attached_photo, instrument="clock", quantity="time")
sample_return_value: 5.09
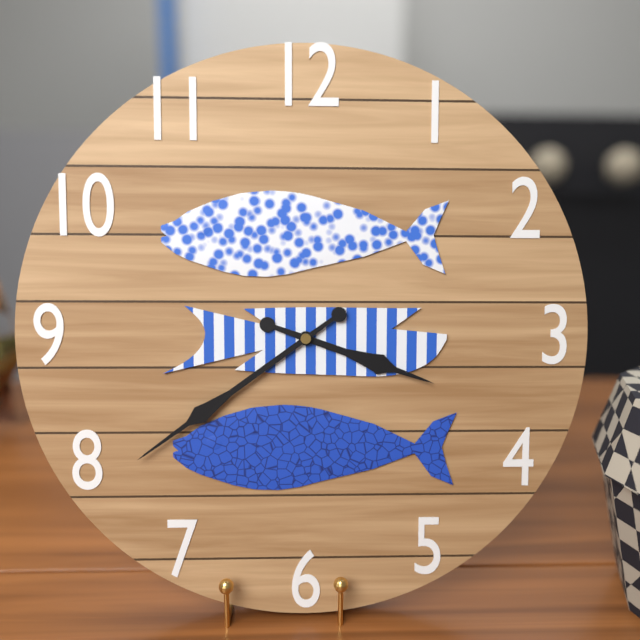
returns 3.39
